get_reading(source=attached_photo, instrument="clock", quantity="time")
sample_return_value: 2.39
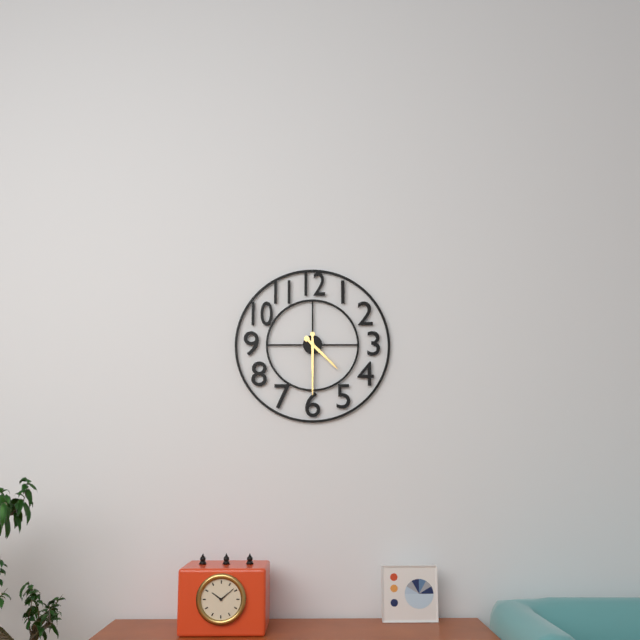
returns 4.30
